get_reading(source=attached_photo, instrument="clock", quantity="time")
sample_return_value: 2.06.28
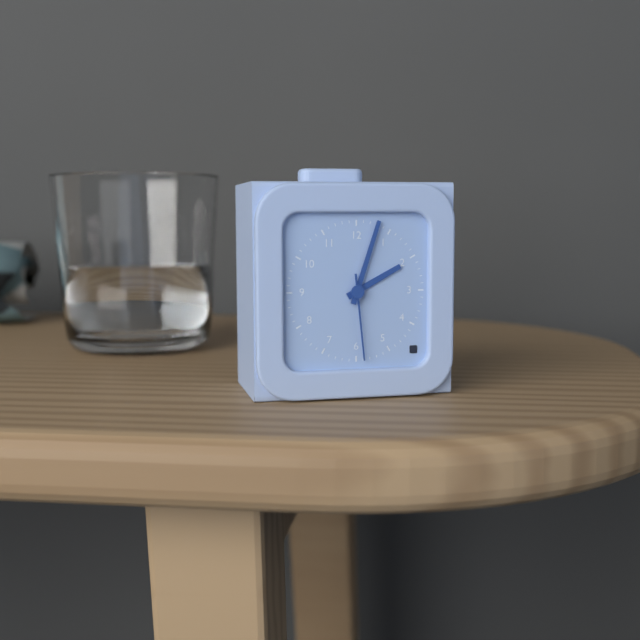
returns 2.03.29
